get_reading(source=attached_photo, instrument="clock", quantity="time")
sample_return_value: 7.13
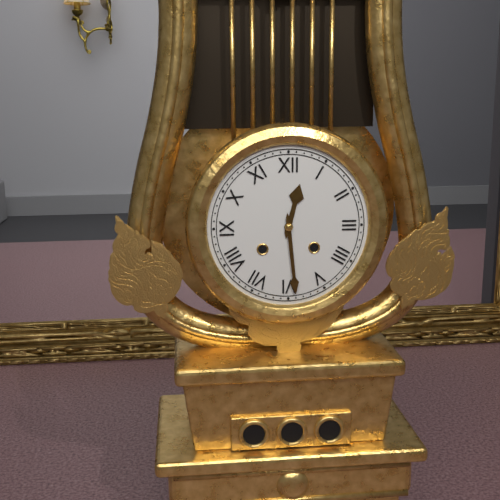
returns 12.29
